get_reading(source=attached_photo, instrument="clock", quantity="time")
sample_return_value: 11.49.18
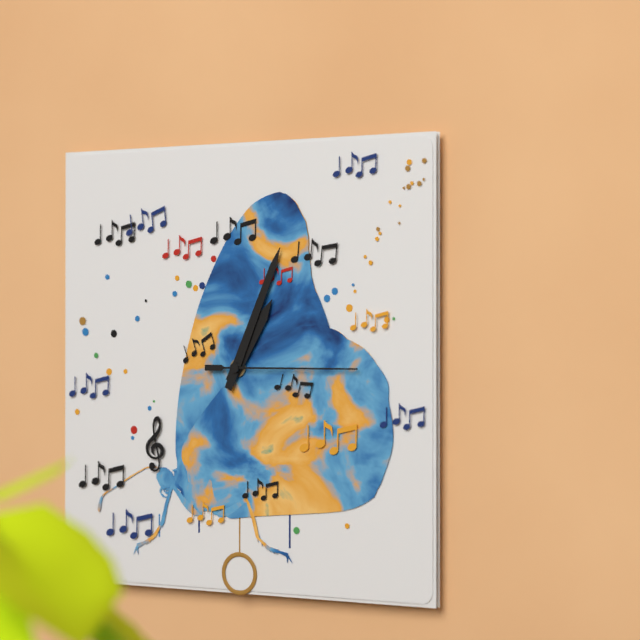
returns 1.04.15
